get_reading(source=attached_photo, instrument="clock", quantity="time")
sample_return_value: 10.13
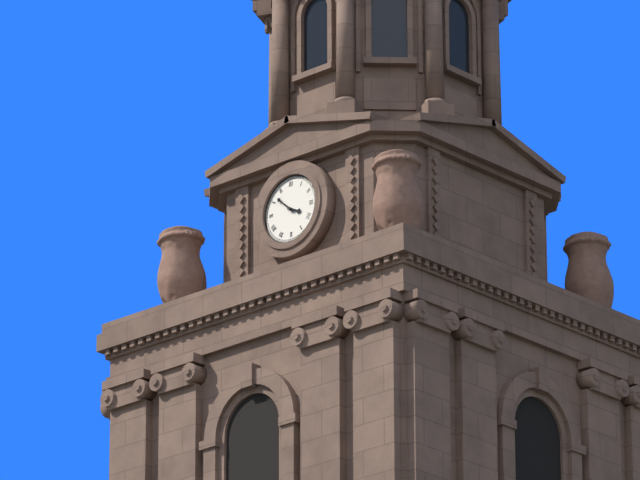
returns 3.52
